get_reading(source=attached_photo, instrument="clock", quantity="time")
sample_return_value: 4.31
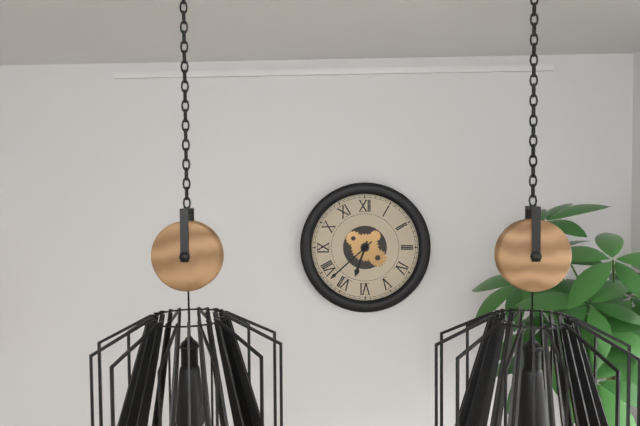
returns 6.38
